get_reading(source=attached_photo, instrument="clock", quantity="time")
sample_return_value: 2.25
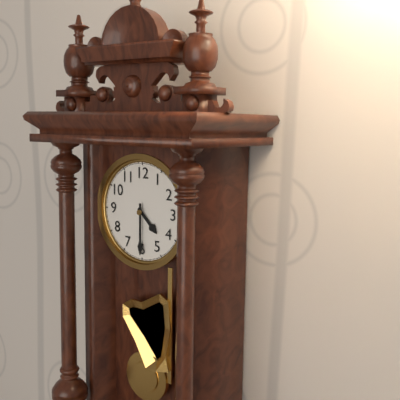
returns 4.30
